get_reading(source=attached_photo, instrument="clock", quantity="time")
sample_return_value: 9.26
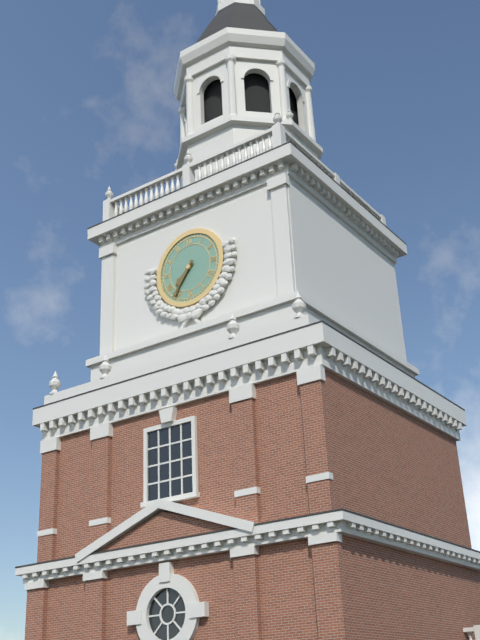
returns 7.36
